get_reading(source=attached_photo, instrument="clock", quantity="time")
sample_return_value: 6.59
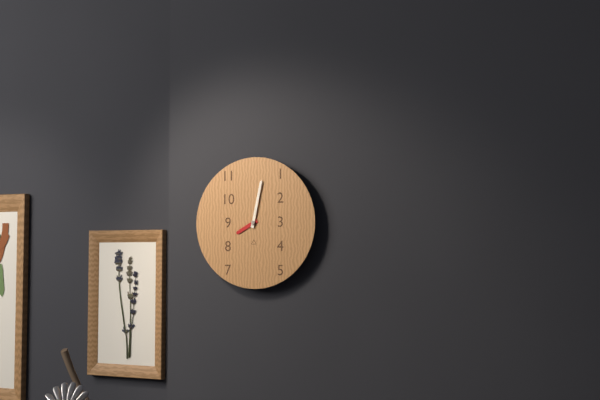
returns 8.02
